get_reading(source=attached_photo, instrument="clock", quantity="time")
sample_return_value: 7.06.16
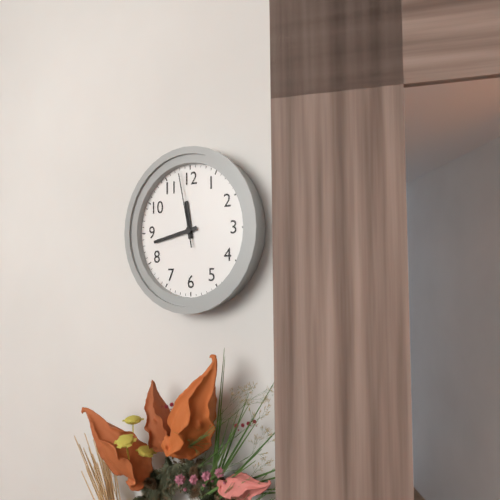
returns 11.43.58
